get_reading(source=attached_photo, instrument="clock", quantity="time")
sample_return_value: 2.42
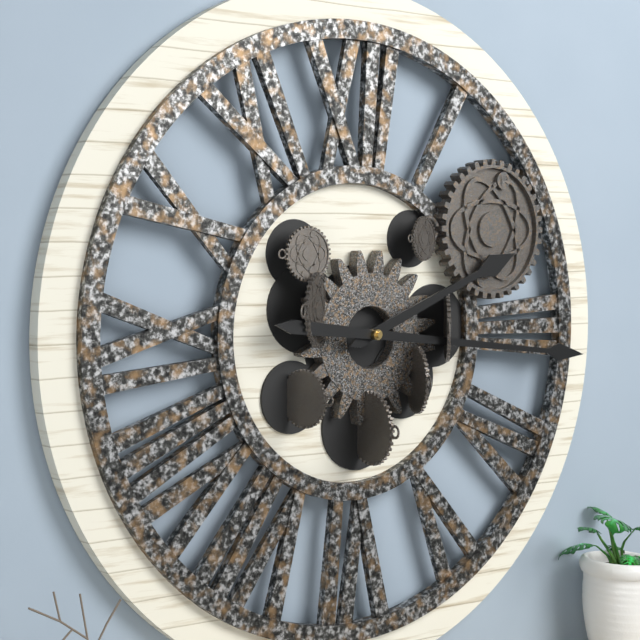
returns 2.16
